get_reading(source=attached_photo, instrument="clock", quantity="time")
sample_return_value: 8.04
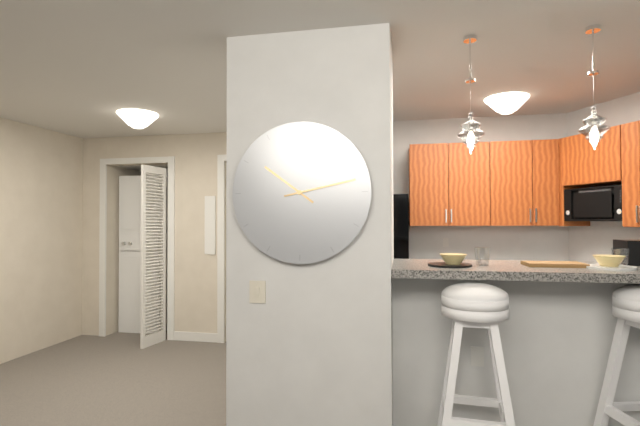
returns 10.13
